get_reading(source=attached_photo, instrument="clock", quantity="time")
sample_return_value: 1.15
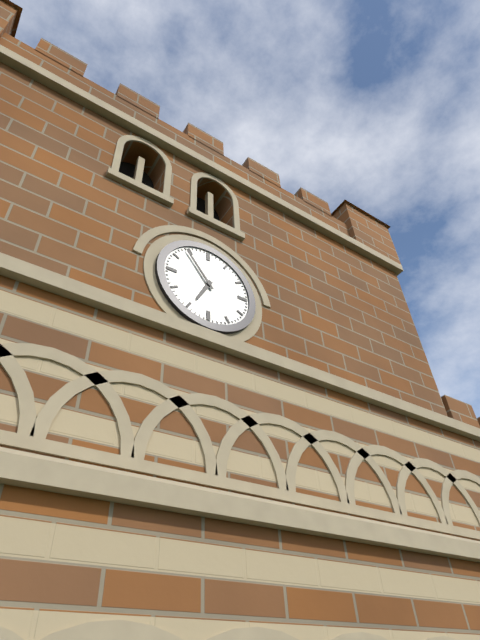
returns 6.54
